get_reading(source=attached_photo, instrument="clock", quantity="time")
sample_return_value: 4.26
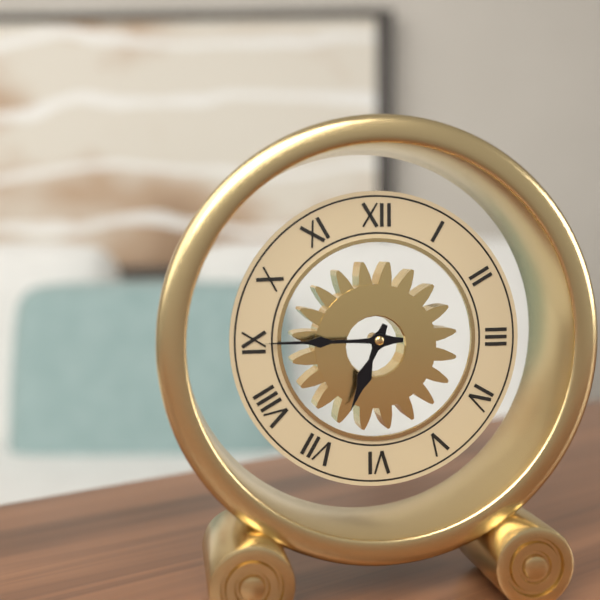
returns 6.45
